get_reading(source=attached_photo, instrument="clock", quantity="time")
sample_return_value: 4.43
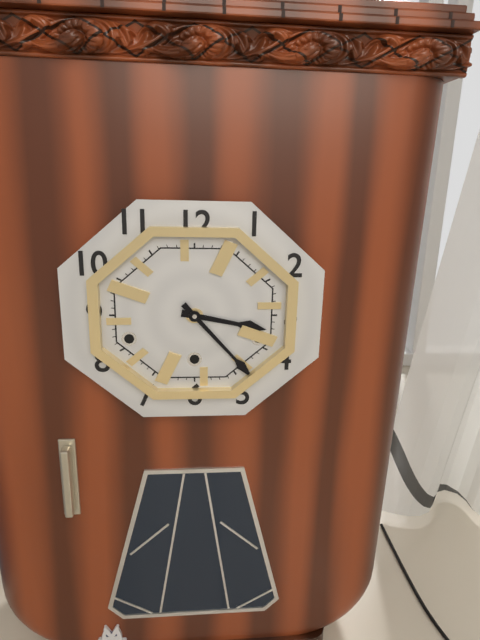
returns 3.23
